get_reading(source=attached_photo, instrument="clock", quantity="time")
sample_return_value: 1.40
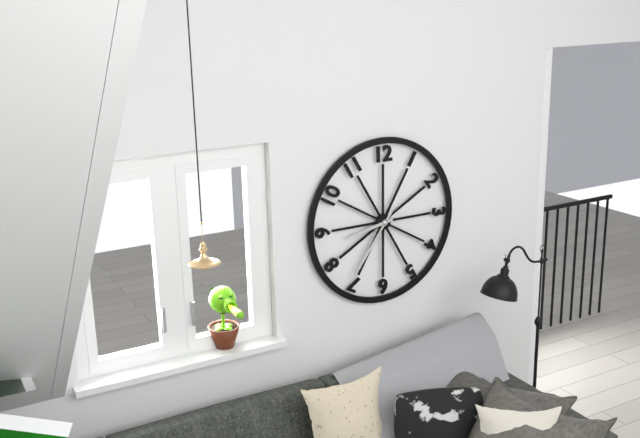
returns 8.36
